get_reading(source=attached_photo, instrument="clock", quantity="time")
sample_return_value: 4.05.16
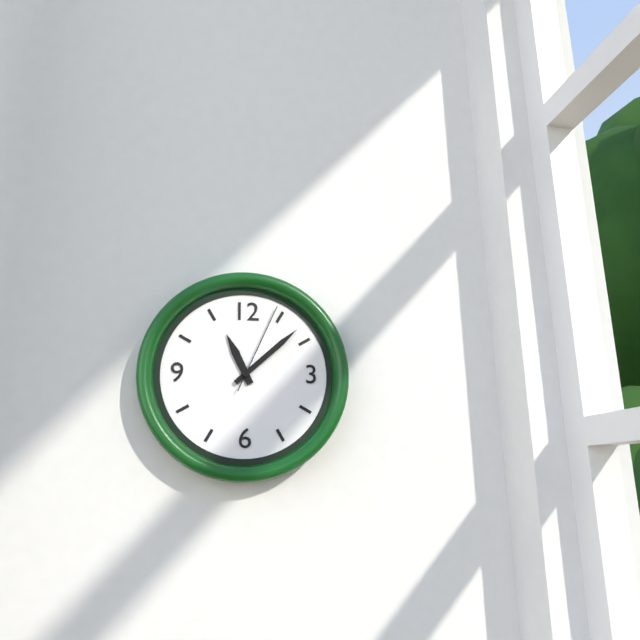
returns 11.08.04
